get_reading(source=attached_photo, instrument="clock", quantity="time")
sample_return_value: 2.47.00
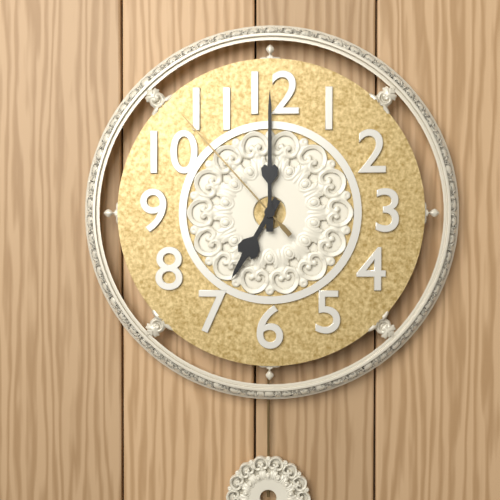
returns 7.00.53
